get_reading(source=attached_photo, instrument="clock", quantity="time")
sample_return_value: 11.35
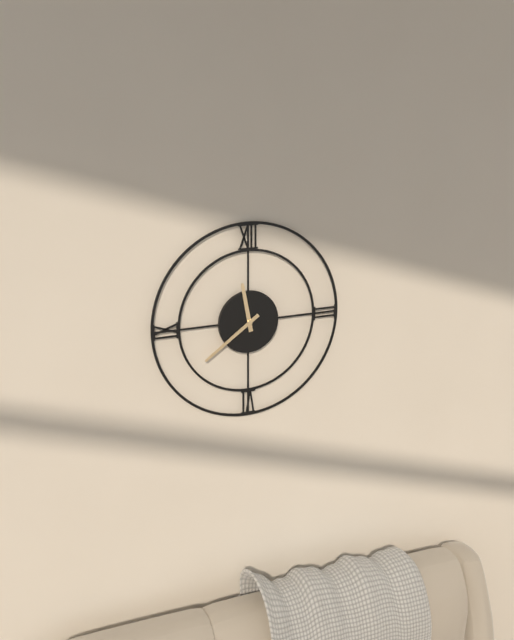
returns 11.39
